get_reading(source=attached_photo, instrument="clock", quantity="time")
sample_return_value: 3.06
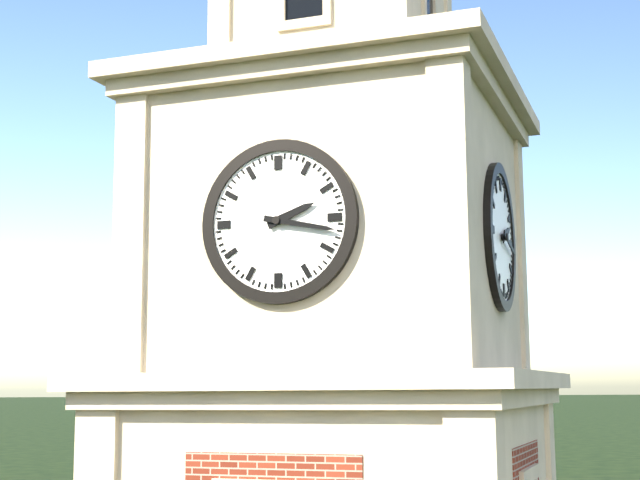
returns 2.17
